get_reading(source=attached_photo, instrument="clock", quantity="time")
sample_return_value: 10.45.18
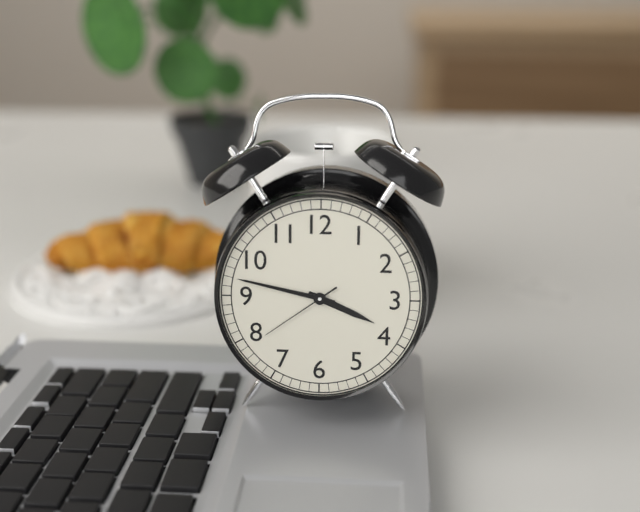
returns 3.47.39
